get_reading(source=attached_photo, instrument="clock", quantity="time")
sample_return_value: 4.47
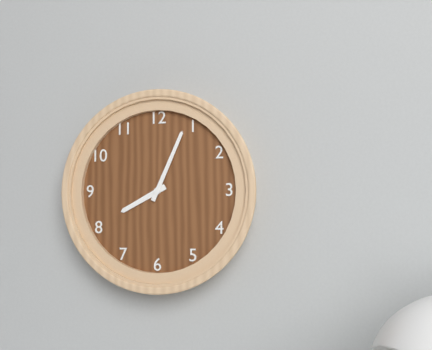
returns 8.04
